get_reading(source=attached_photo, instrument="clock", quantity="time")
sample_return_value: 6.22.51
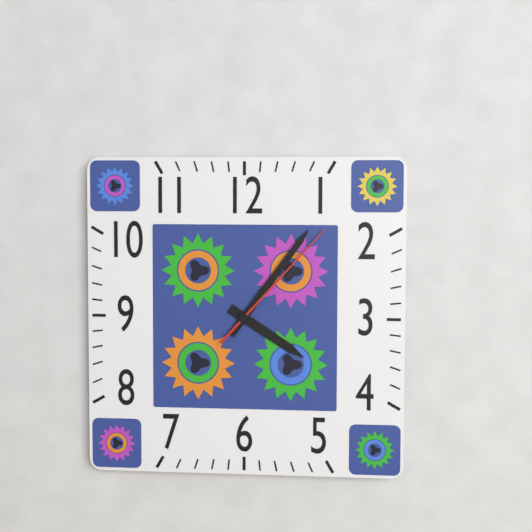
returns 4.06.07
